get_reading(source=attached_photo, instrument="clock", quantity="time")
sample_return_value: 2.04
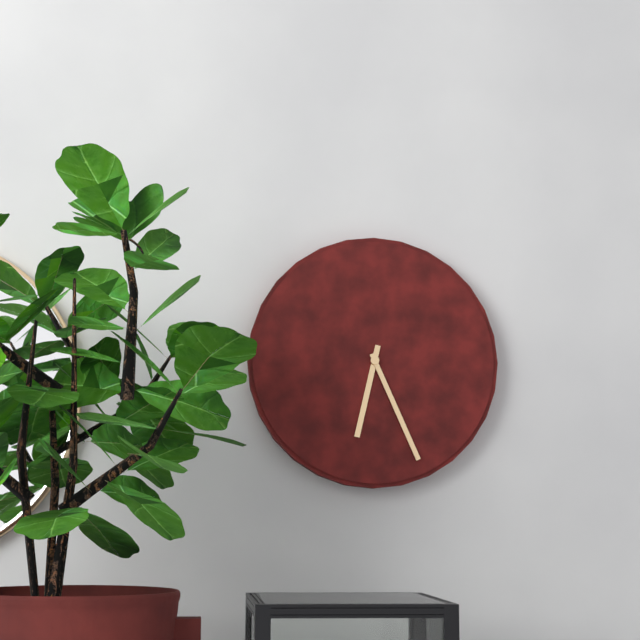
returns 6.26
